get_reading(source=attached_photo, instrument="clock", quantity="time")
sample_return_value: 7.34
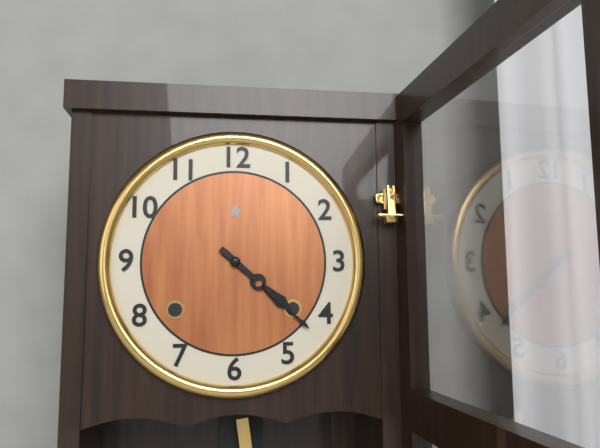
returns 4.22
